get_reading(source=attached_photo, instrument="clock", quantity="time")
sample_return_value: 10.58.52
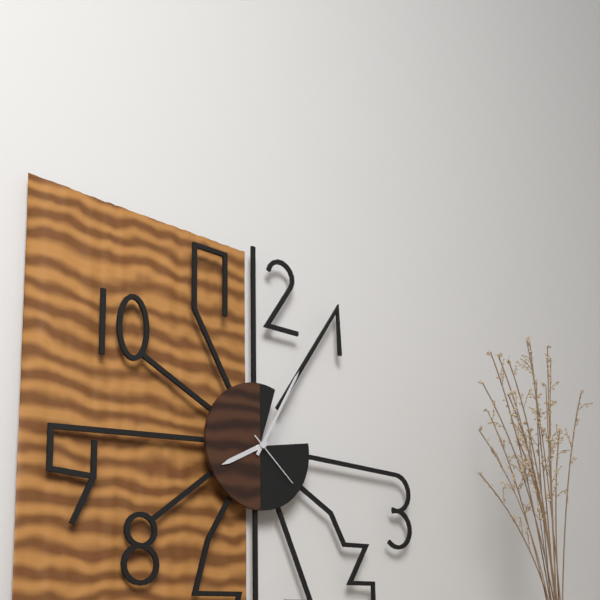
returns 8.05.22
